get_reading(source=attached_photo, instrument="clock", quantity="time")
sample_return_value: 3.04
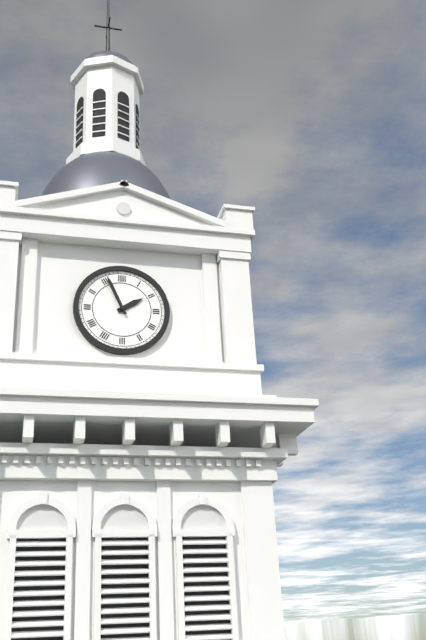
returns 1.56
